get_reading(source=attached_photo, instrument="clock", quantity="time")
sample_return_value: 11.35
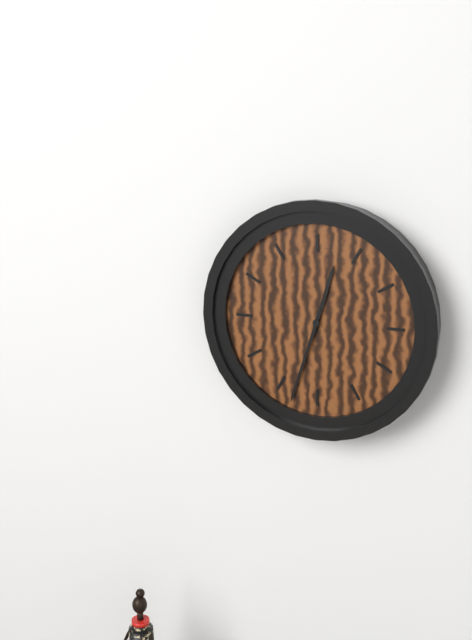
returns 12.33
